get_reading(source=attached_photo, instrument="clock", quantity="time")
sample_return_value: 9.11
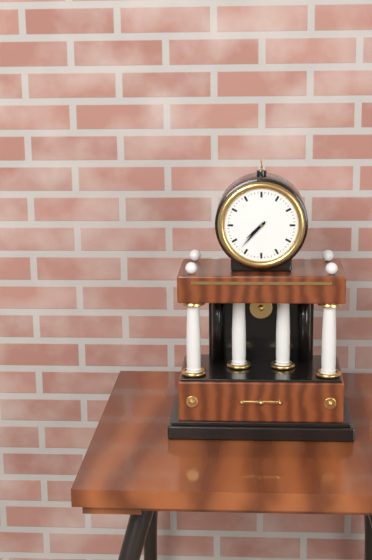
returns 7.37
